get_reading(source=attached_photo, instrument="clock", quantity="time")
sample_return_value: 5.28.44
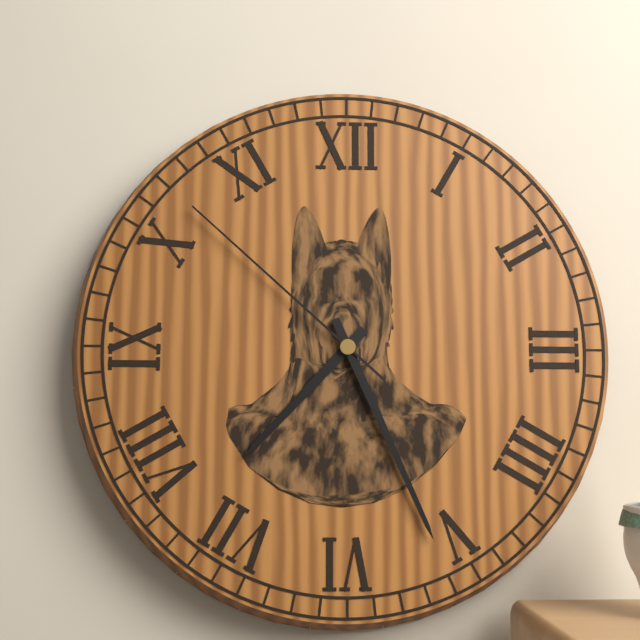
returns 7.26.52
